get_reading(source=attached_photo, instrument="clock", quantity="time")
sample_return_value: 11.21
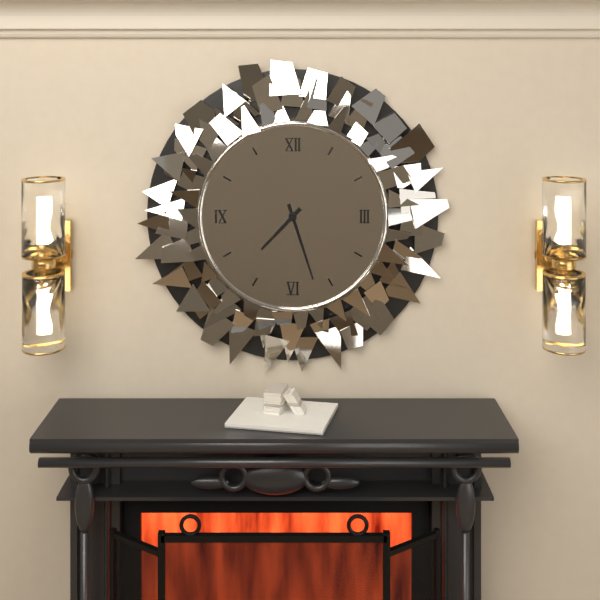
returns 7.27
